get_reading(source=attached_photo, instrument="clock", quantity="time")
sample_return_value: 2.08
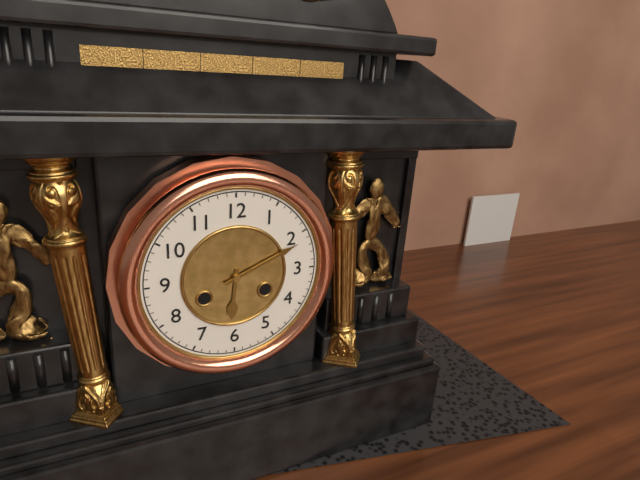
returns 6.11
